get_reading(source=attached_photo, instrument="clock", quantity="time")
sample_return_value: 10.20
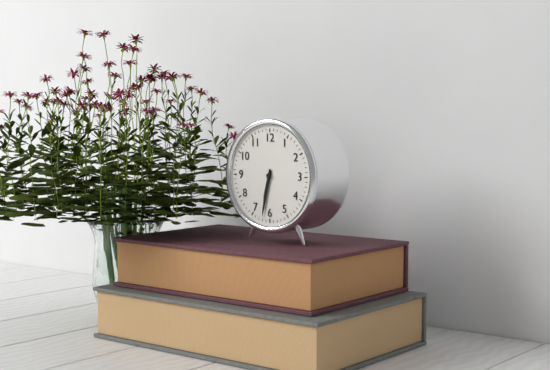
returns 6.32
